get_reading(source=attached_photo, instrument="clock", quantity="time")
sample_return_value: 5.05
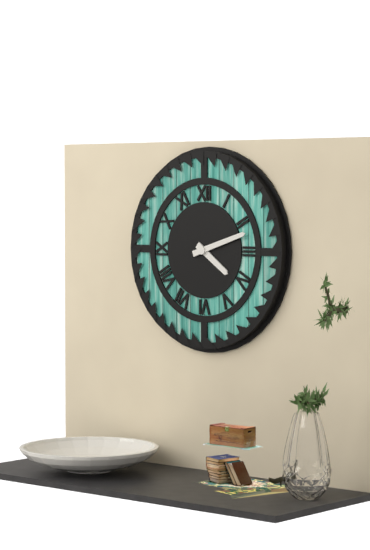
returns 4.12
